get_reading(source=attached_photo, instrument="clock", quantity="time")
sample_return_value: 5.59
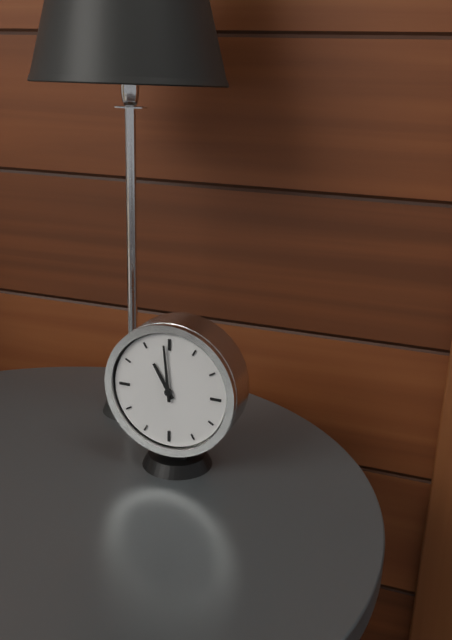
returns 10.59
